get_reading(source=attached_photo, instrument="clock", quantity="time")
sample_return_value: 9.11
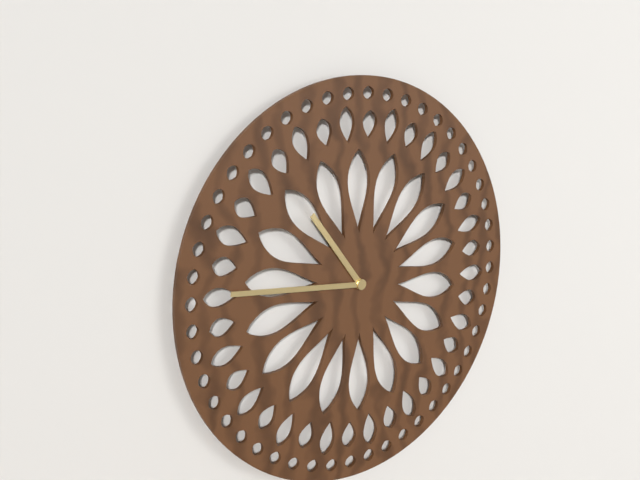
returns 10.46
